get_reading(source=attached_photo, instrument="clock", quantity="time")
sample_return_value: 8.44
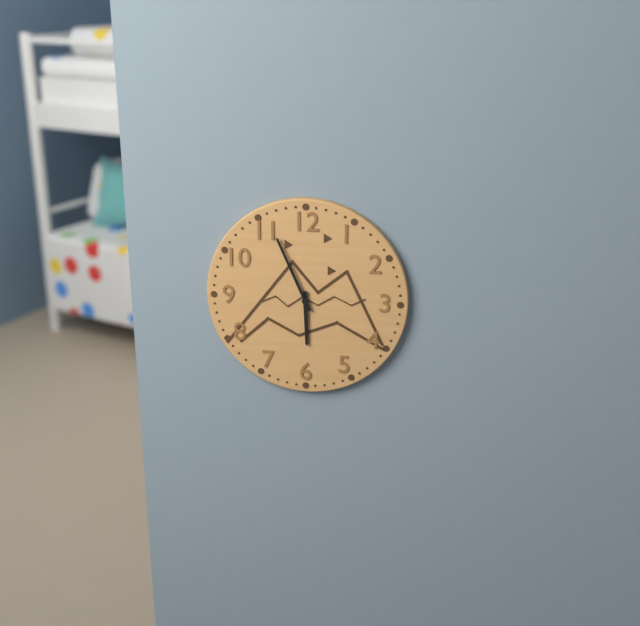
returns 5.56
